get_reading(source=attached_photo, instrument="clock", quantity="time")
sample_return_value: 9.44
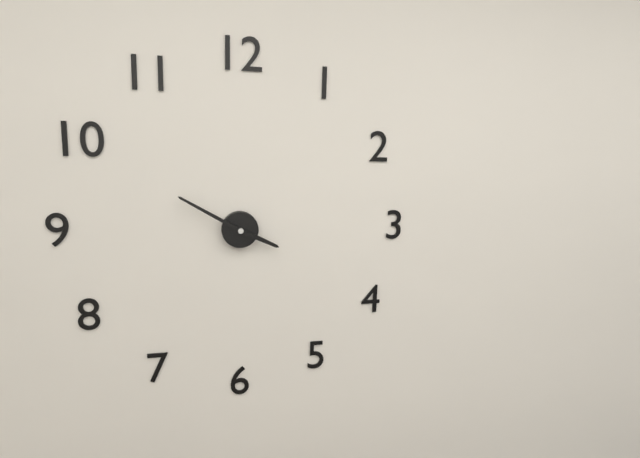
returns 3.50
